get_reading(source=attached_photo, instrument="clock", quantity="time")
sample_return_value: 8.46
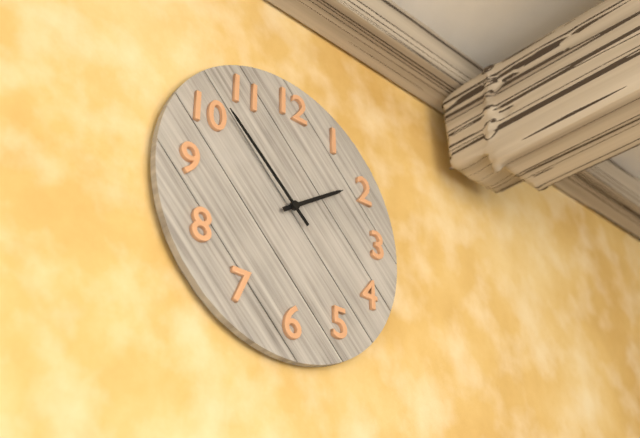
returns 1.52
